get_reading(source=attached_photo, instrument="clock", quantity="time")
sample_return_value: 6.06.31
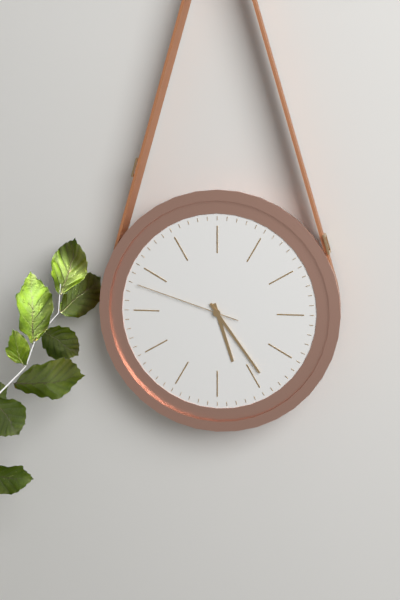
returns 5.24.48
